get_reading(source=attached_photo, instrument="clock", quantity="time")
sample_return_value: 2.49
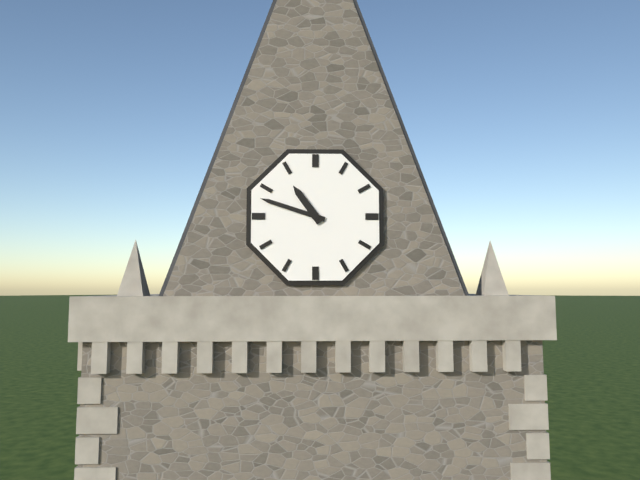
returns 10.48
